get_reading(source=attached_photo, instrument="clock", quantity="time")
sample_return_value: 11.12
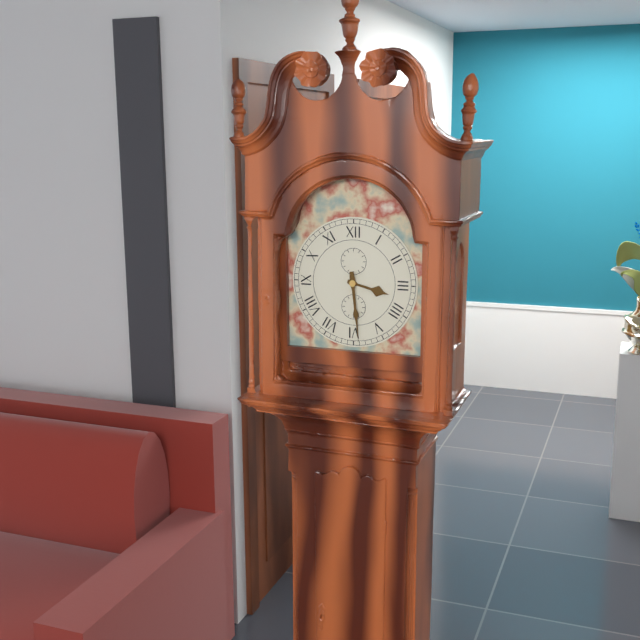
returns 3.29
